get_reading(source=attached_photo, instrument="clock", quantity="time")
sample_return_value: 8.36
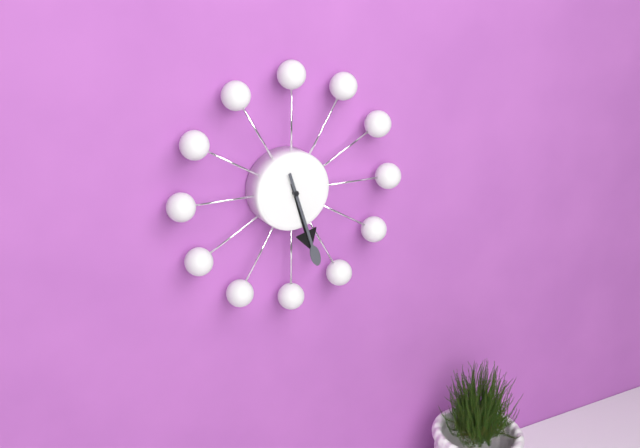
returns 5.27
